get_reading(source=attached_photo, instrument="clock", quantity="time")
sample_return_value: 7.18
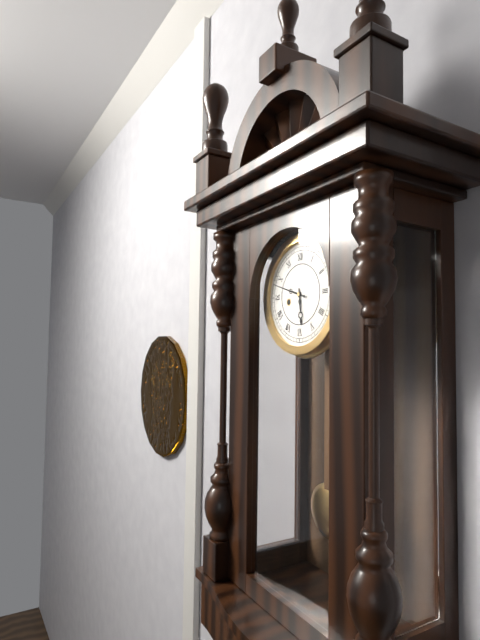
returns 5.48
